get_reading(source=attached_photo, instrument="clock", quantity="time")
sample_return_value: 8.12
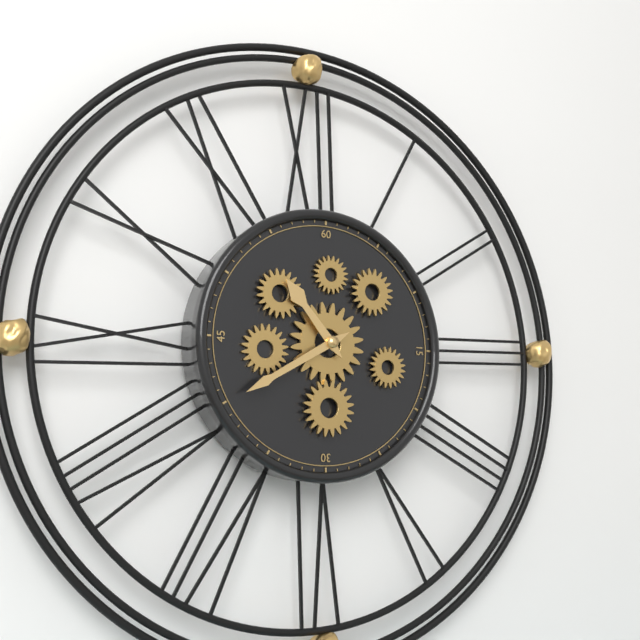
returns 10.40
